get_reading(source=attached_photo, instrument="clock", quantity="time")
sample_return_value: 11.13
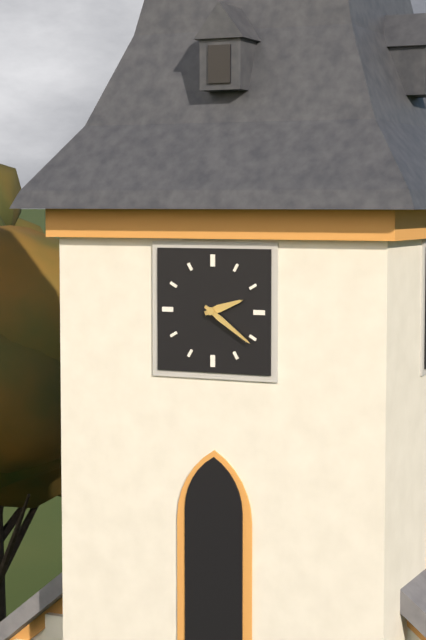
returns 2.21
